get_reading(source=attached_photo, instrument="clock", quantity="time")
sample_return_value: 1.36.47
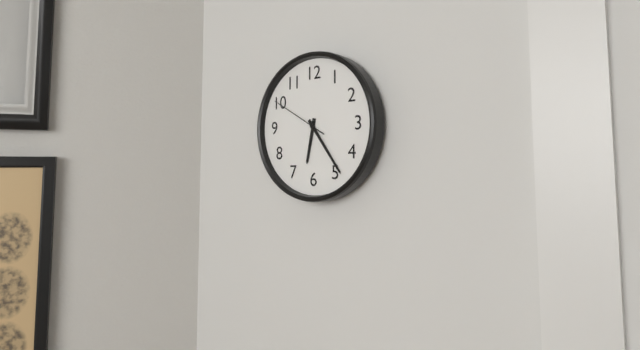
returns 6.24.50
